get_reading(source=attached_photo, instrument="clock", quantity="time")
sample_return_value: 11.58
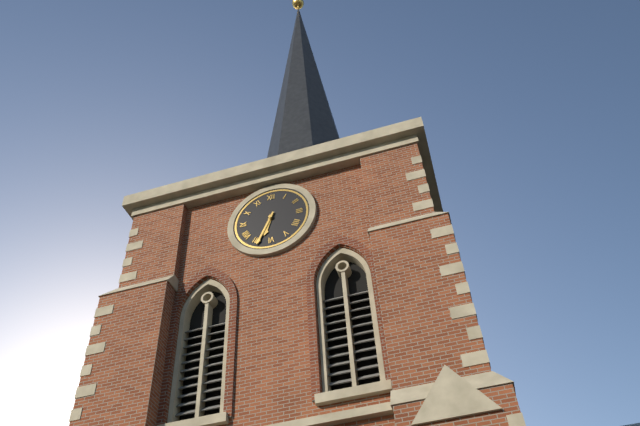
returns 6.34
